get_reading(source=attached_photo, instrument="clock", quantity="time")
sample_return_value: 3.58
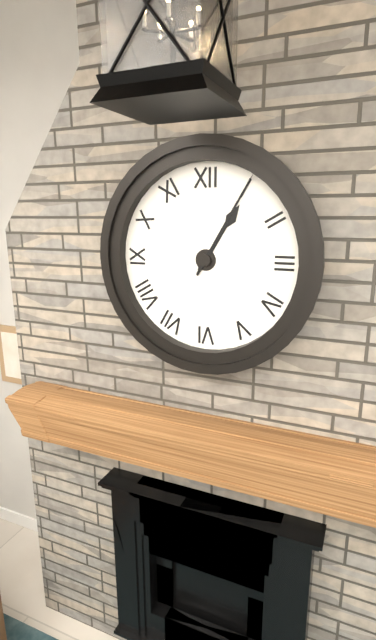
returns 1.05
